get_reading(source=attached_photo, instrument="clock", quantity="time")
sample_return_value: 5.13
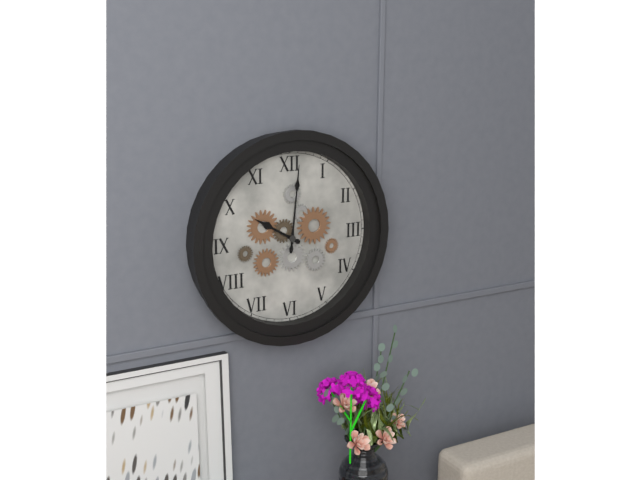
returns 10.01
